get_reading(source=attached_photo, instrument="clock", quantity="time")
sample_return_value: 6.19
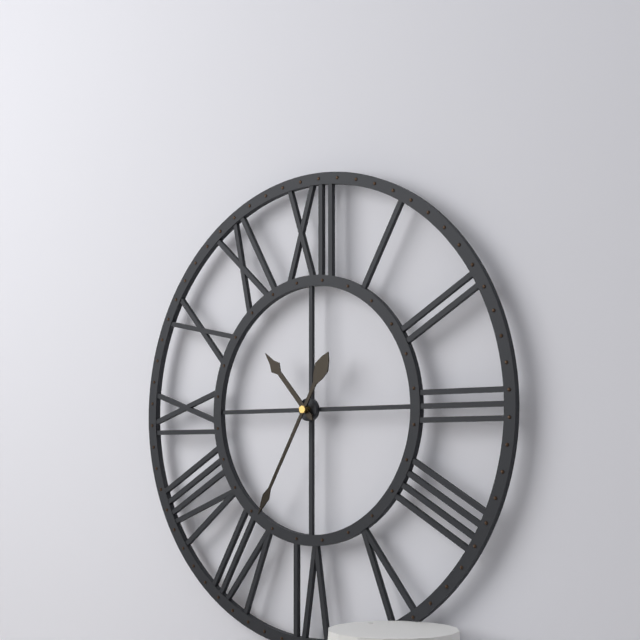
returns 10.35
